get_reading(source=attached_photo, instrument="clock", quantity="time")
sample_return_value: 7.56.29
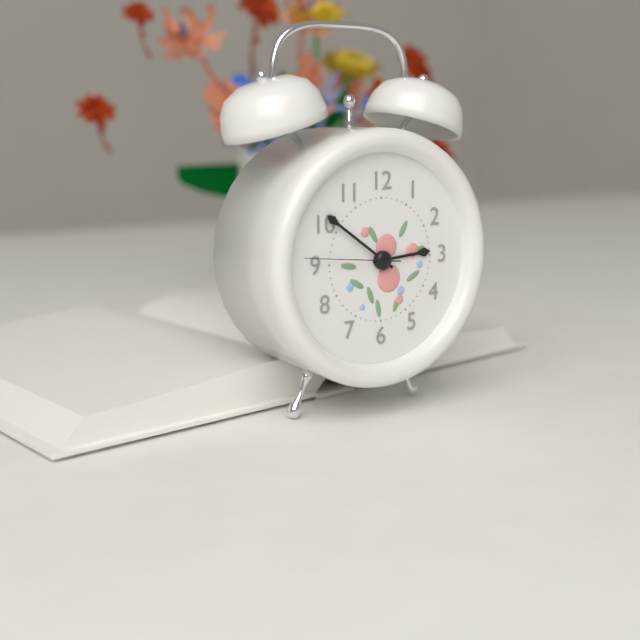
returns 2.51.46
